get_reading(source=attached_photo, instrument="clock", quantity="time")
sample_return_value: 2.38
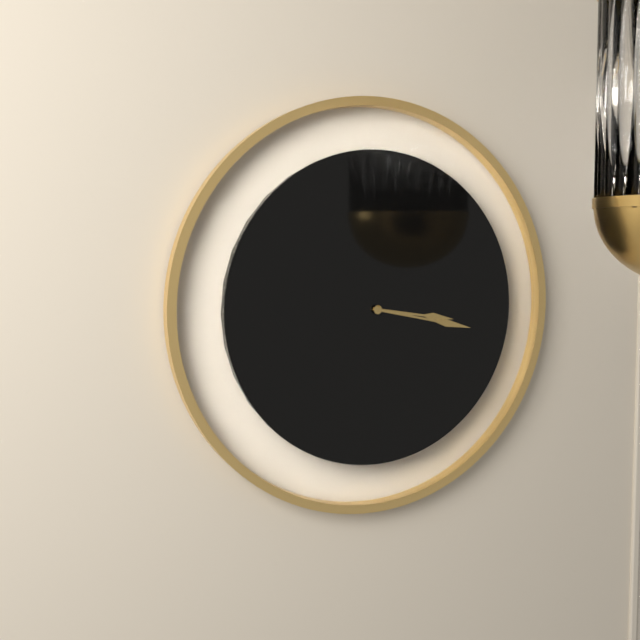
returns 3.17
